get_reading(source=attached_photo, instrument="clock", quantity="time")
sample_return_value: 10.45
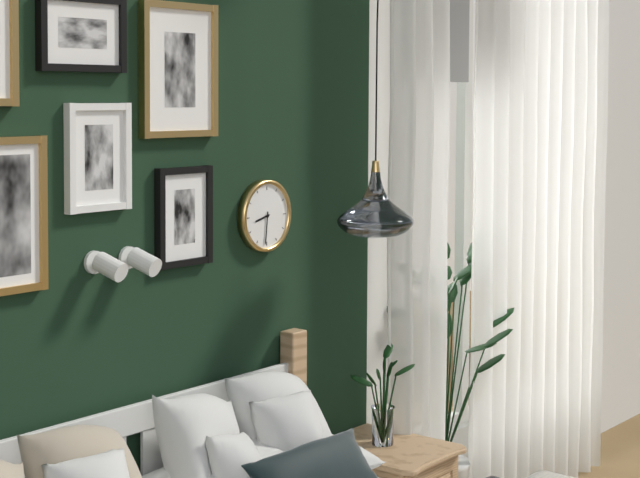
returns 8.31
